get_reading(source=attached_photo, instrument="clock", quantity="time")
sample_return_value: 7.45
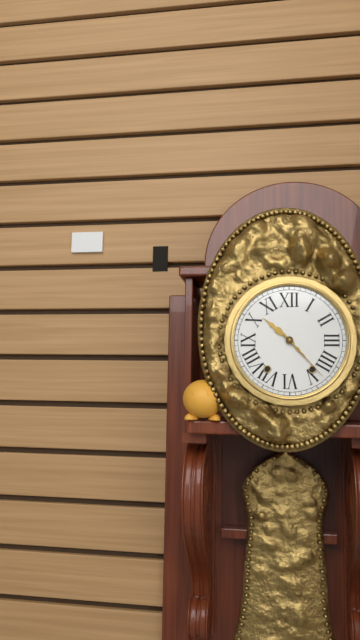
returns 10.23
